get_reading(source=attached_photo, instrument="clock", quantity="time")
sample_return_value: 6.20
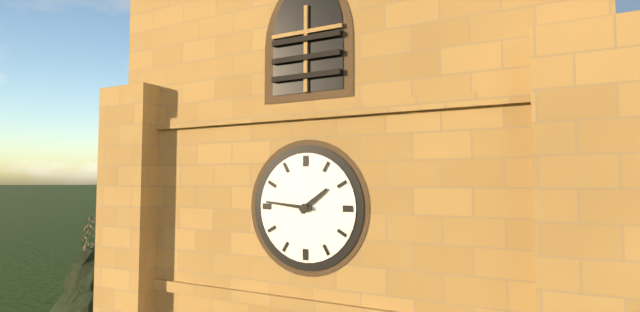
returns 1.46
